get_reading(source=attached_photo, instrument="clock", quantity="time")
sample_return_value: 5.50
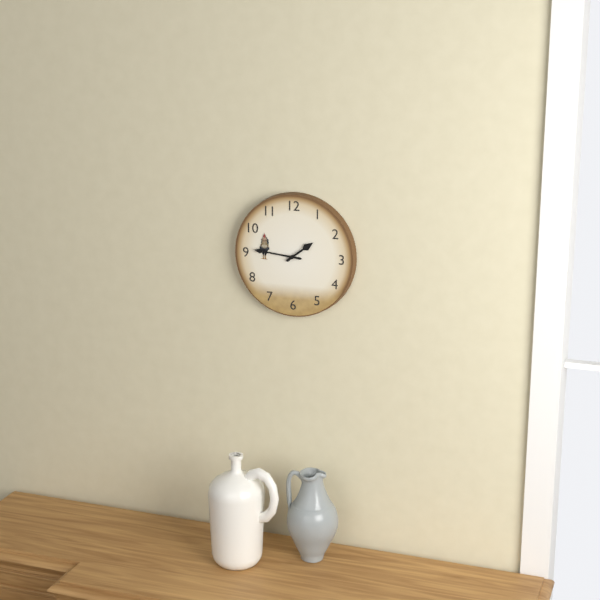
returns 1.46
